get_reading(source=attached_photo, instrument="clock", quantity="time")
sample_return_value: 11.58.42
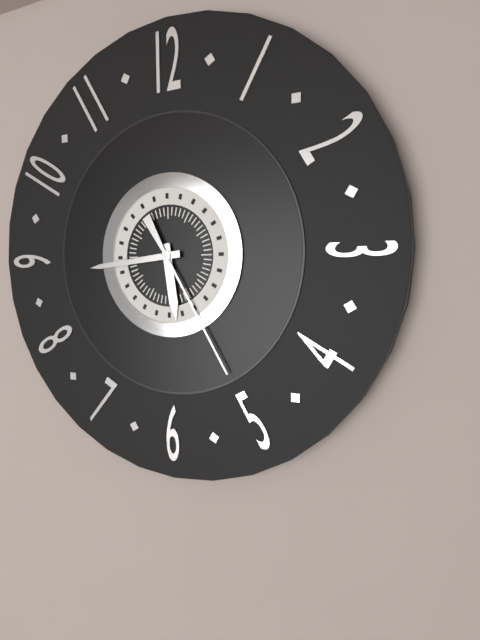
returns 5.44.25
